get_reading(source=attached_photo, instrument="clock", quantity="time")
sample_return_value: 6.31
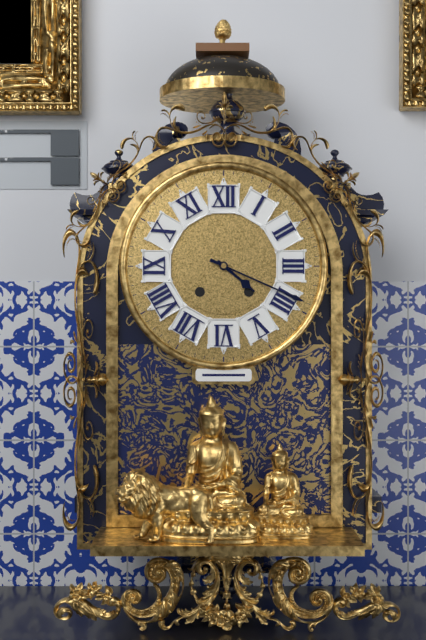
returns 4.19
